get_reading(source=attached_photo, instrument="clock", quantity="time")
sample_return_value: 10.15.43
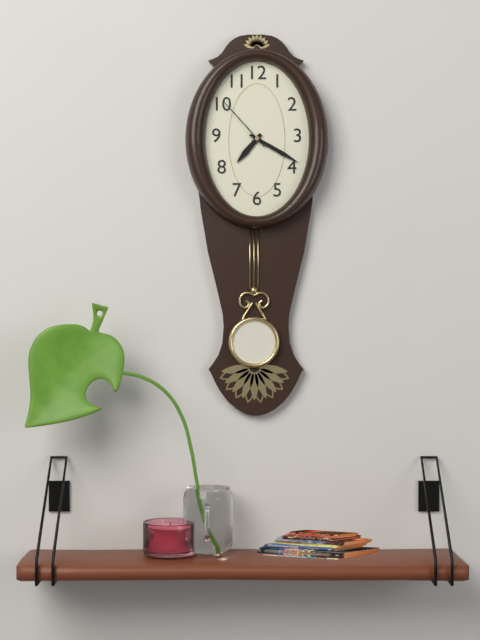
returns 7.20.53
